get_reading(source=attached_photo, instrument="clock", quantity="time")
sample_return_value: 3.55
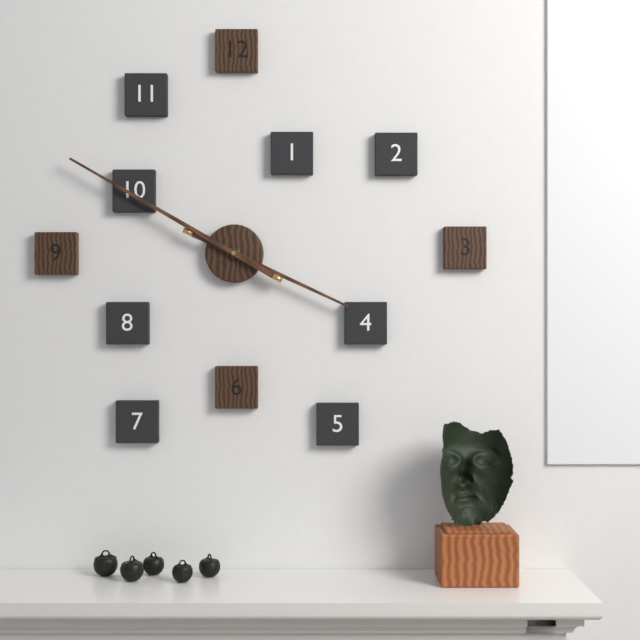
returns 3.50
